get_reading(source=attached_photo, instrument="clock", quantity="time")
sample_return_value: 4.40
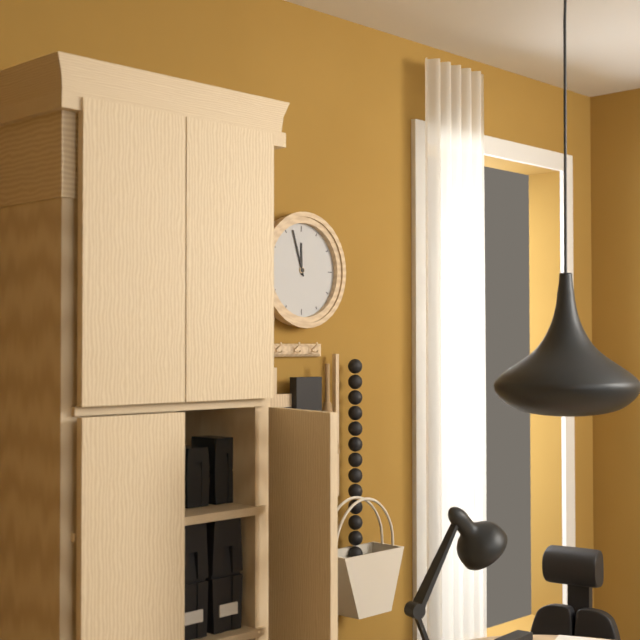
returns 11.57
